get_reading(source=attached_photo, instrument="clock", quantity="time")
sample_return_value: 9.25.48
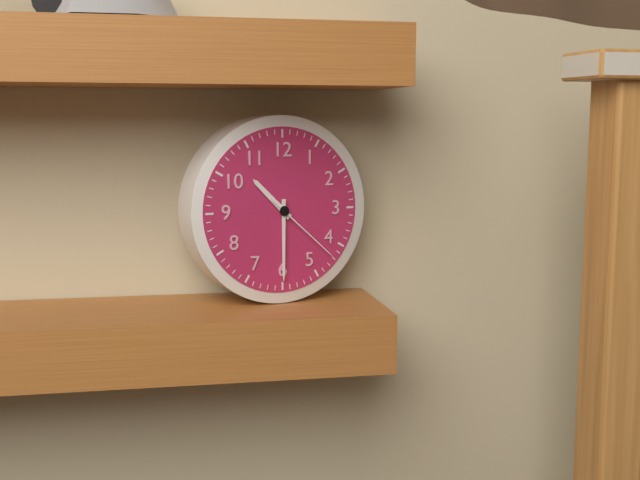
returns 10.30.22
